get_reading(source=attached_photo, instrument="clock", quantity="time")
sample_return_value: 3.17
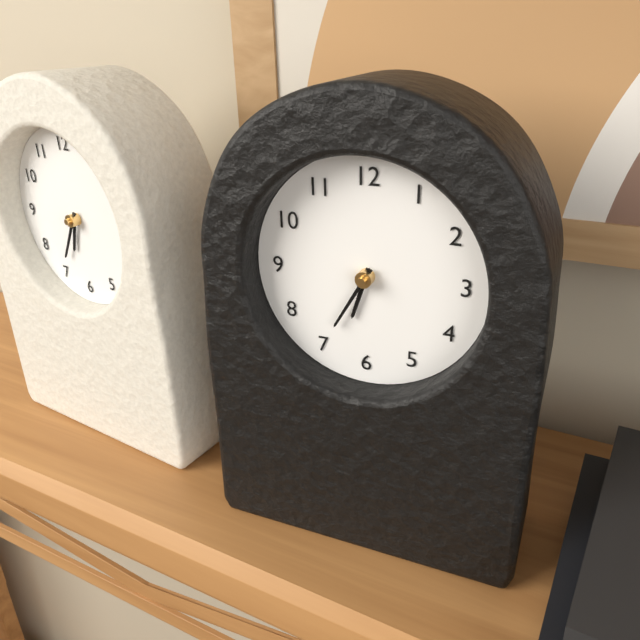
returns 6.35
